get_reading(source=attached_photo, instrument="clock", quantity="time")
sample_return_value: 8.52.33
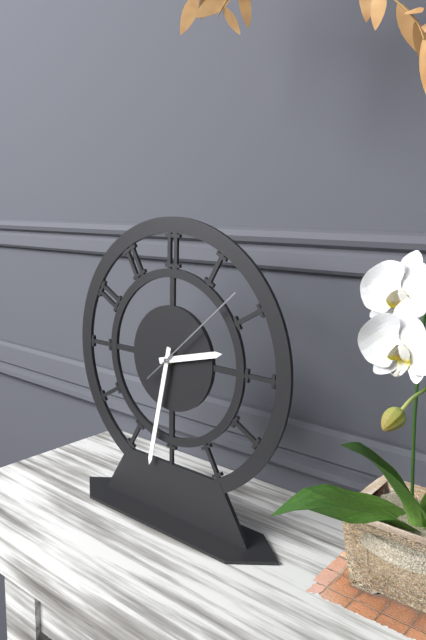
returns 2.32.08
